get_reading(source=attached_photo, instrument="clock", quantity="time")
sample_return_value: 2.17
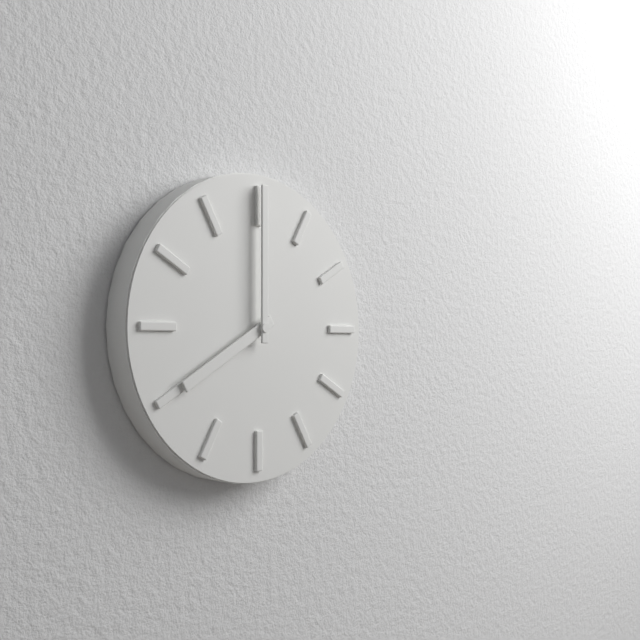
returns 8.00
